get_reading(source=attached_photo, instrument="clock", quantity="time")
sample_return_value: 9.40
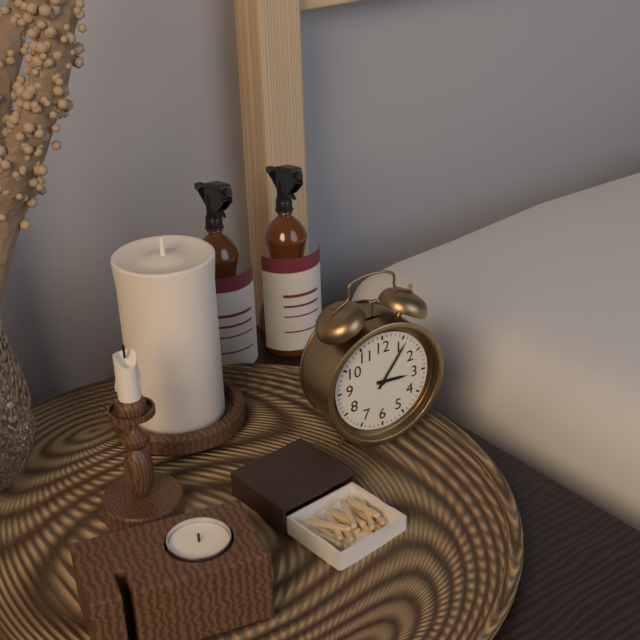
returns 3.06
